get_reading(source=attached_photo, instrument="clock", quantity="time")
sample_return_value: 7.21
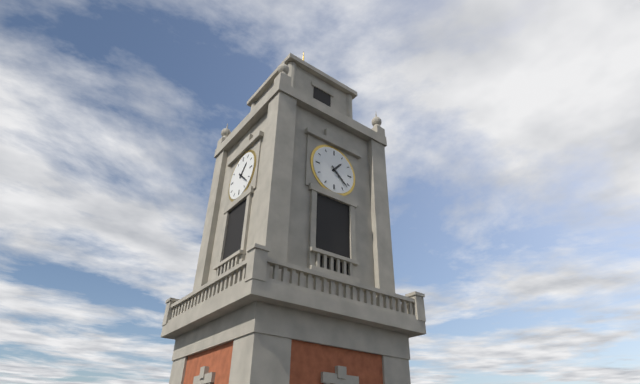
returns 1.22
